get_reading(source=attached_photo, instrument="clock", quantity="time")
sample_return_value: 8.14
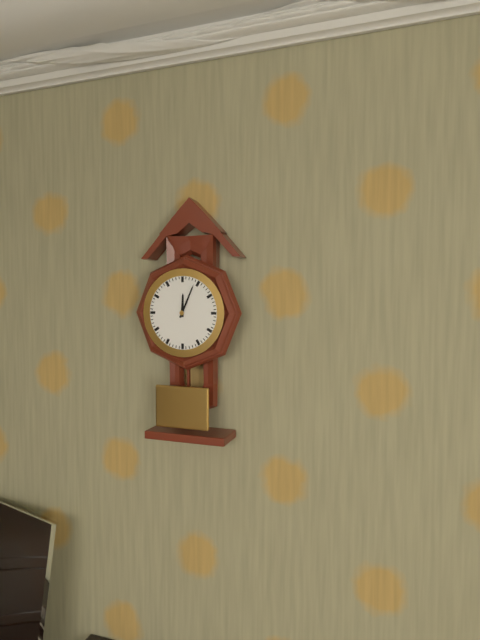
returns 12.04
